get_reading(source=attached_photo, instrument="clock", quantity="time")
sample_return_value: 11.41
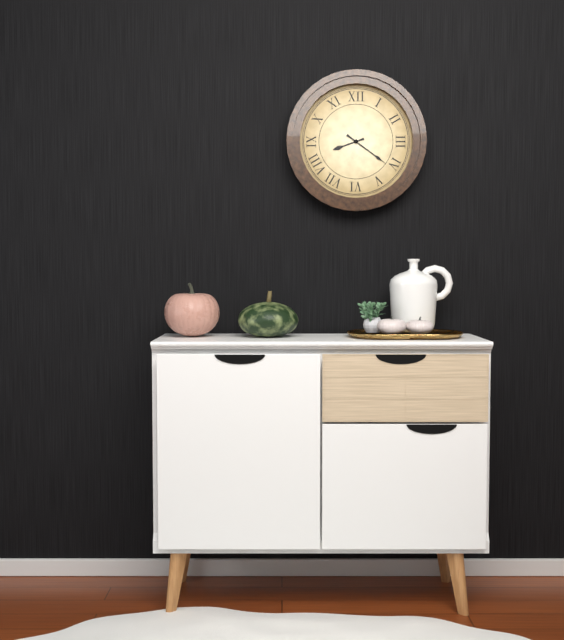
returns 8.21
